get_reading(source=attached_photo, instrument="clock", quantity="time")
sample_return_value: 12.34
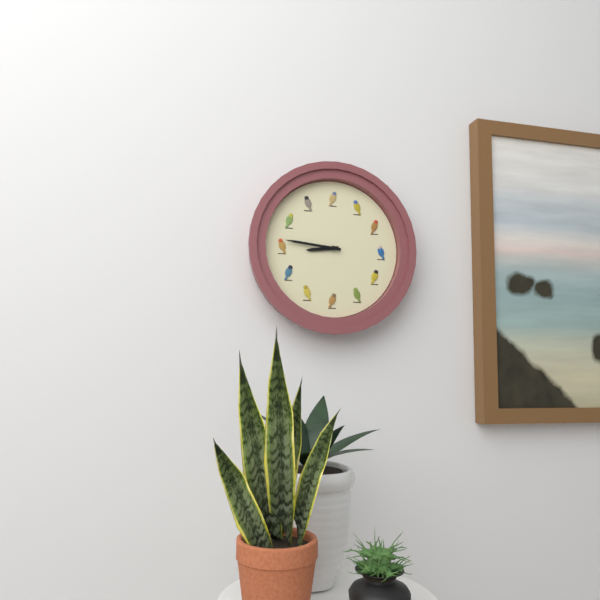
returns 8.46
